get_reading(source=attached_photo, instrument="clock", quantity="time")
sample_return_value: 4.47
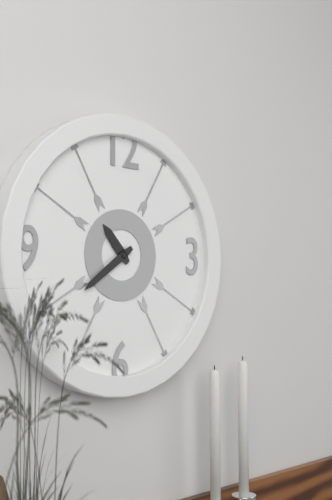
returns 10.39
